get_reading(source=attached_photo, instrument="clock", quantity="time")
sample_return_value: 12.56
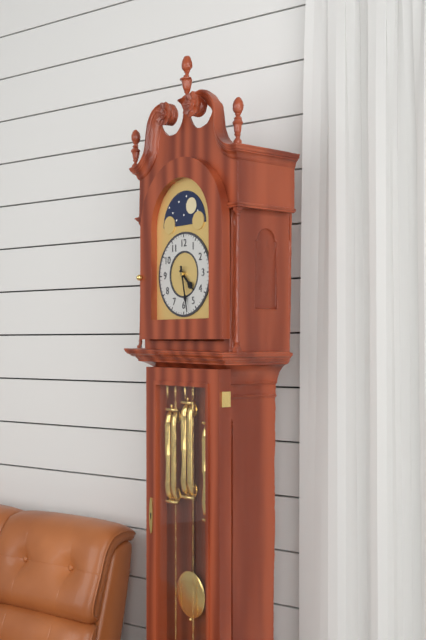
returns 4.28
